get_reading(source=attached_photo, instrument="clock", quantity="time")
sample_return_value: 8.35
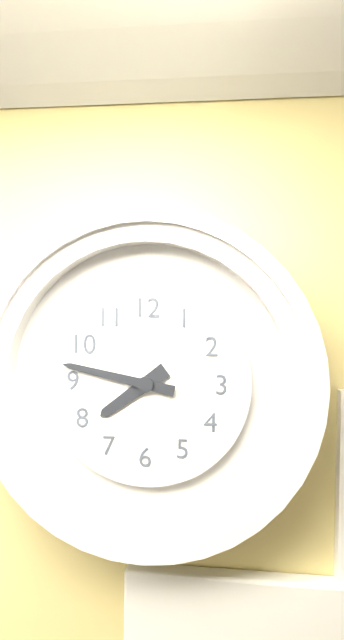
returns 7.47
